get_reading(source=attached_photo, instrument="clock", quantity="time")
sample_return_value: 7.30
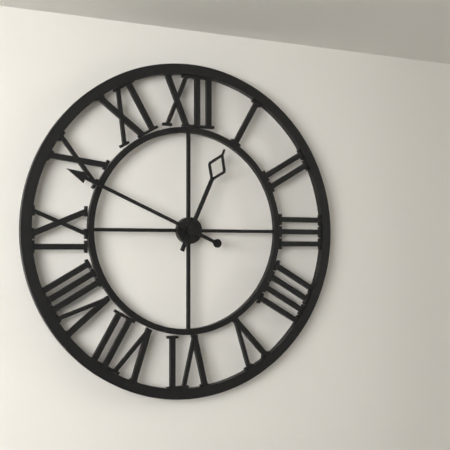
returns 12.49
